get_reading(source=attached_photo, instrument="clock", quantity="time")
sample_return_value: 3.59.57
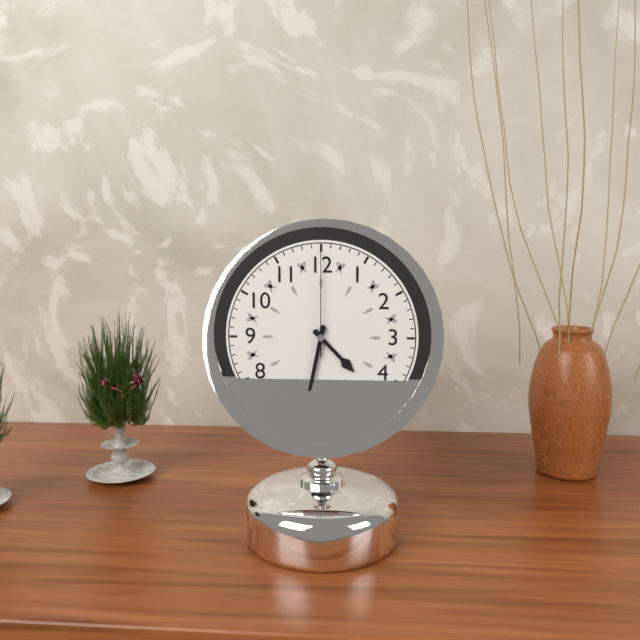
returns 4.32.00
